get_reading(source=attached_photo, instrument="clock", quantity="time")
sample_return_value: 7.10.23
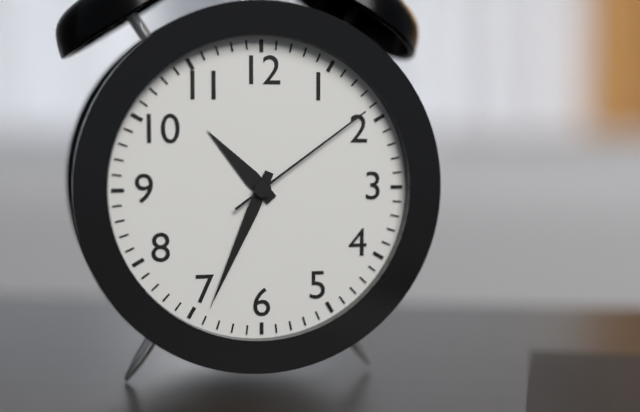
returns 10.34.09
